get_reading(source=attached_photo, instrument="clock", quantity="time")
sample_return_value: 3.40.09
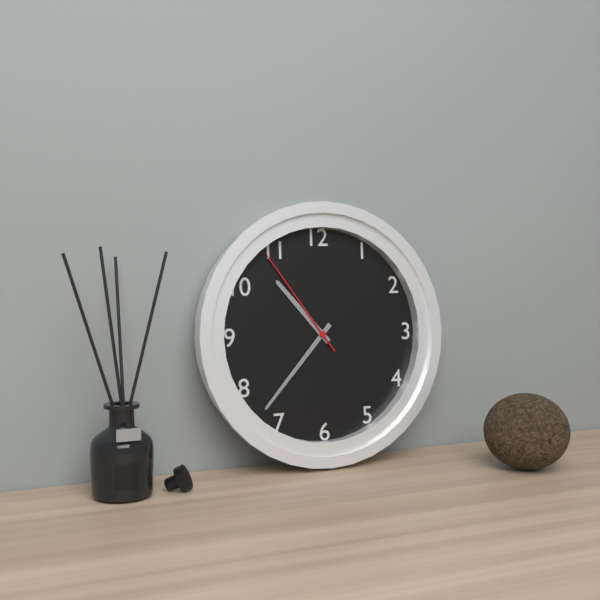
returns 10.37.54
